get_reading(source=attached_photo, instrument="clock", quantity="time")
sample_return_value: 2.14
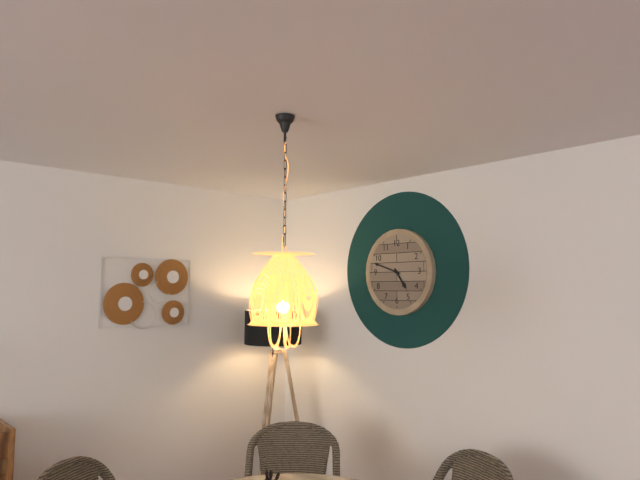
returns 4.48
